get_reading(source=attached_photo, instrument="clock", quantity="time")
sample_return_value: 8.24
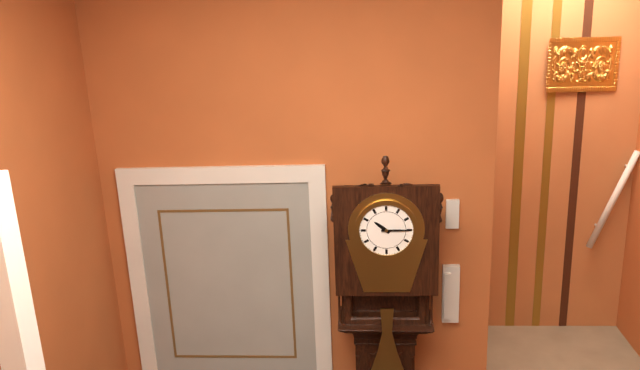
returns 10.15
